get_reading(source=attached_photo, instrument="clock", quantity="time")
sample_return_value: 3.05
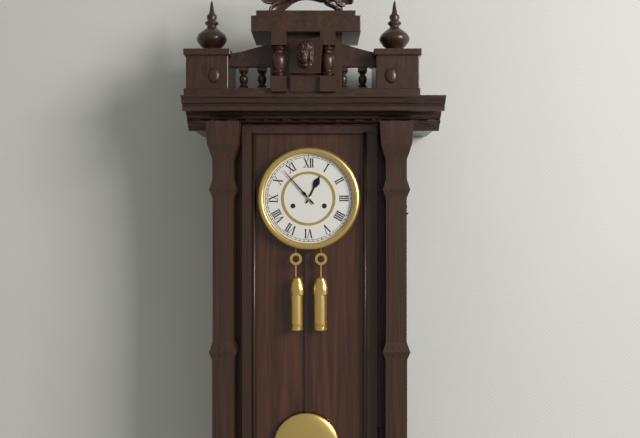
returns 12.53
